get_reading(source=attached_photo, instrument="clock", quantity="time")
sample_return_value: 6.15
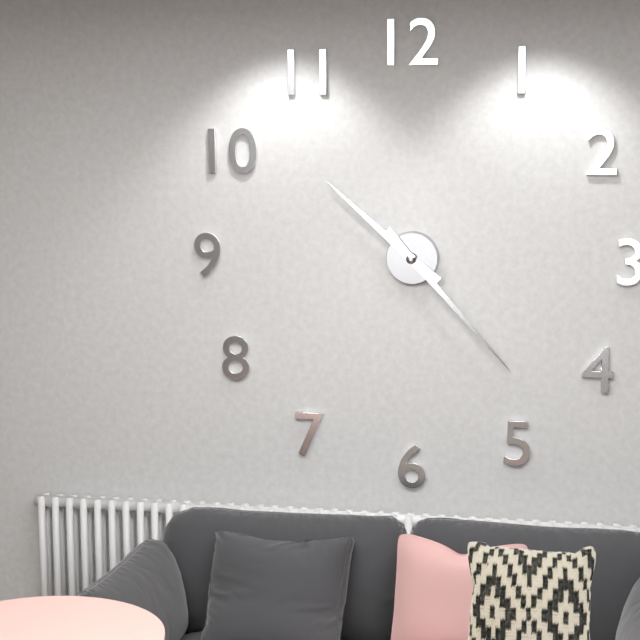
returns 10.23
